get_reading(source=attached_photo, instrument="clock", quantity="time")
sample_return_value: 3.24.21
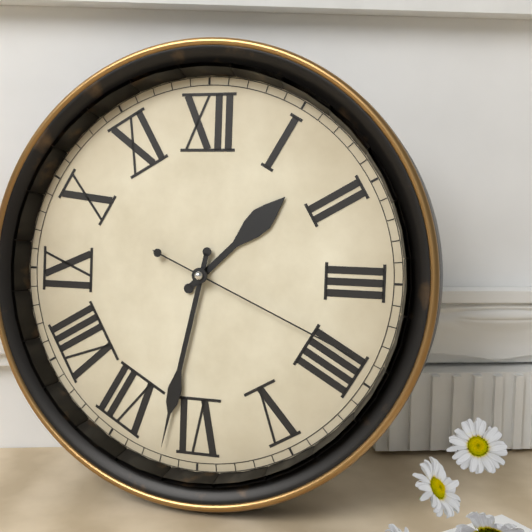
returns 1.32.19
